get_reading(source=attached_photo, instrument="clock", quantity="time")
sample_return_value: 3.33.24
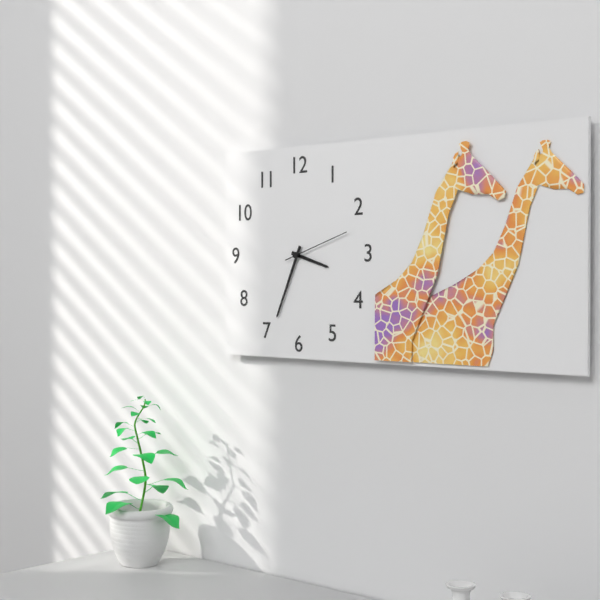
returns 3.34.12
